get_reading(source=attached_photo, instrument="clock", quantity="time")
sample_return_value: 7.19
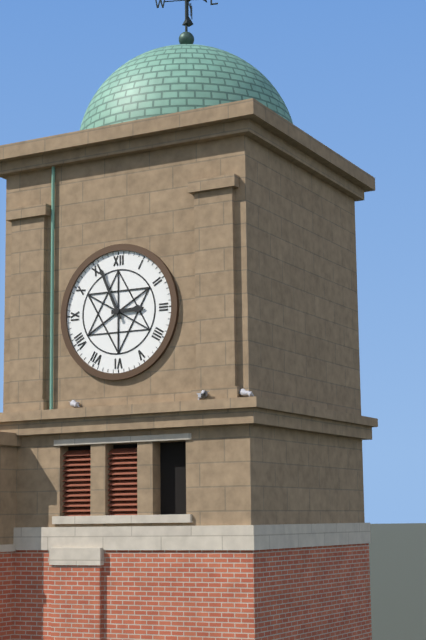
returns 2.56
